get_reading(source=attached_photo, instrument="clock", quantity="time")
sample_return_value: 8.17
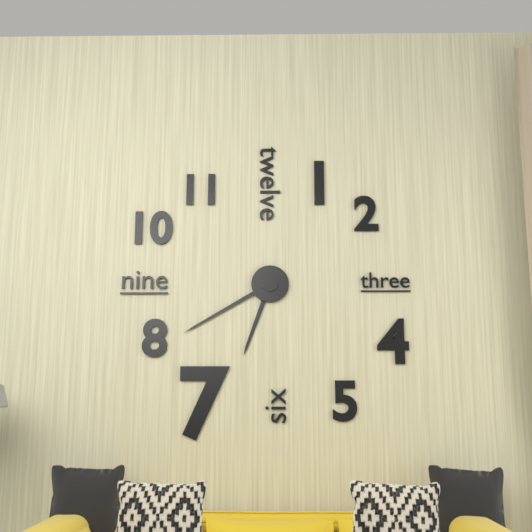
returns 6.40
